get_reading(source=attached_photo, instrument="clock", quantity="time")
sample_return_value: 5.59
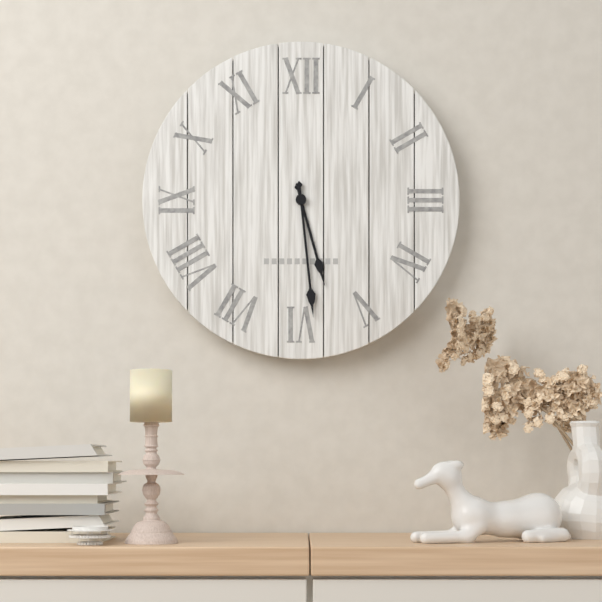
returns 5.29
